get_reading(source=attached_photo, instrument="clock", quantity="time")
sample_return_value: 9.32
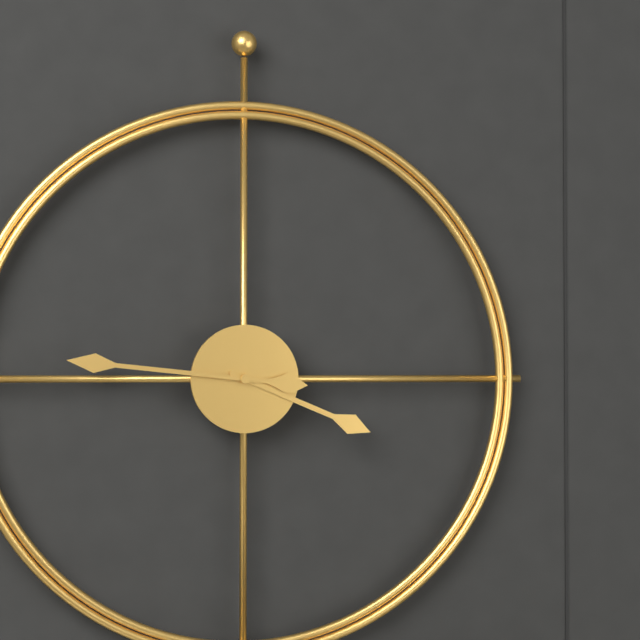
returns 3.46
